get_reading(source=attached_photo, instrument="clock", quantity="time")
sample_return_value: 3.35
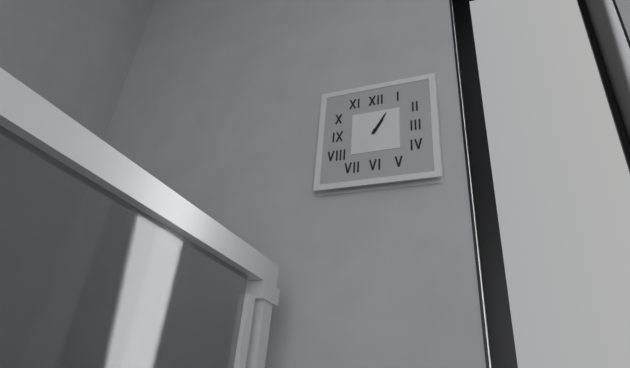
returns 1.05
